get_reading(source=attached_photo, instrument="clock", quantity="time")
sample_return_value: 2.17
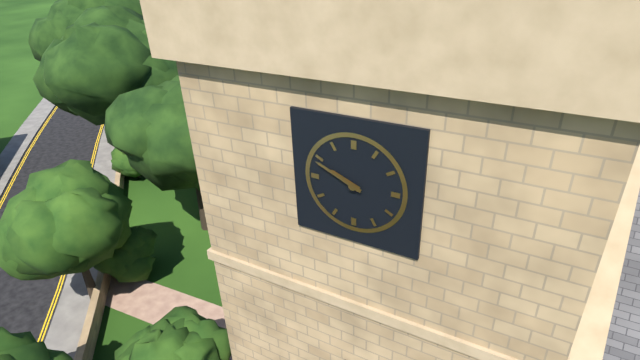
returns 9.49
